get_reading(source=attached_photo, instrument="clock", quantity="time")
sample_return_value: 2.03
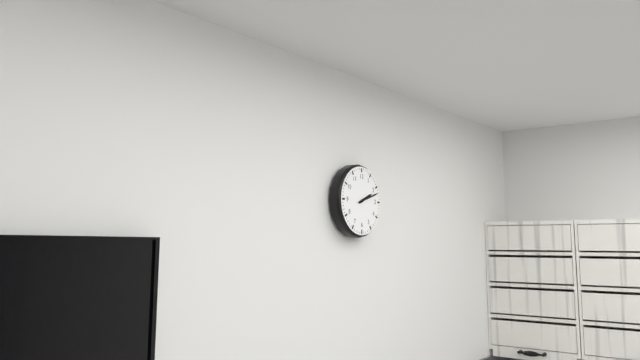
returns 2.12
